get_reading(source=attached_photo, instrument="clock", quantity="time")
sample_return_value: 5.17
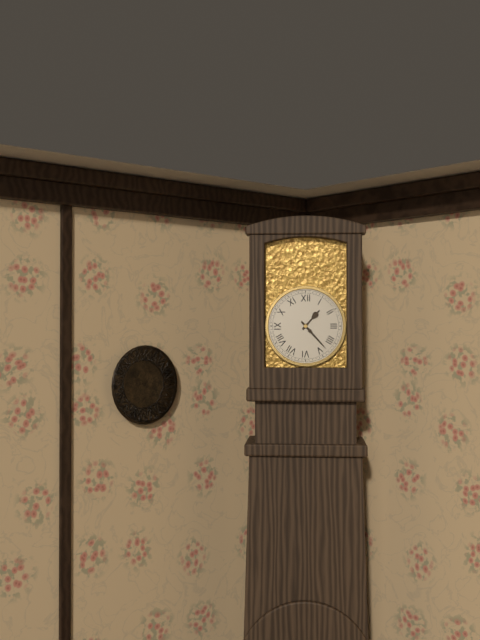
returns 1.23
